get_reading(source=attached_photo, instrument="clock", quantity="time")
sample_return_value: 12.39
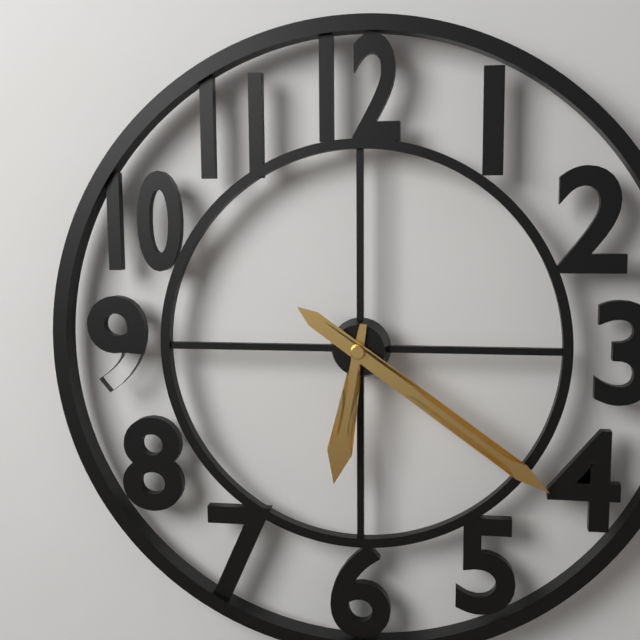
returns 6.21
